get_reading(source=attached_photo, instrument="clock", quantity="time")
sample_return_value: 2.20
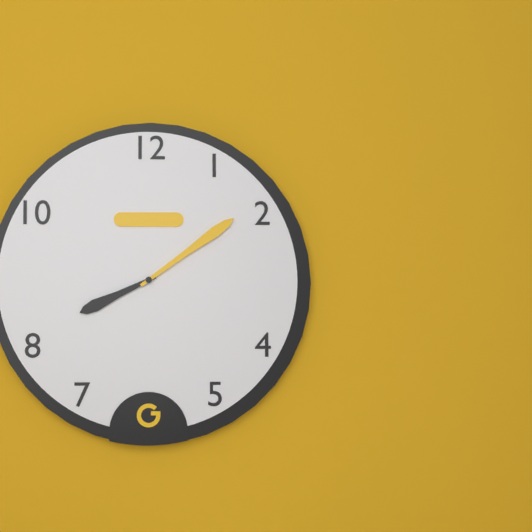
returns 8.09
